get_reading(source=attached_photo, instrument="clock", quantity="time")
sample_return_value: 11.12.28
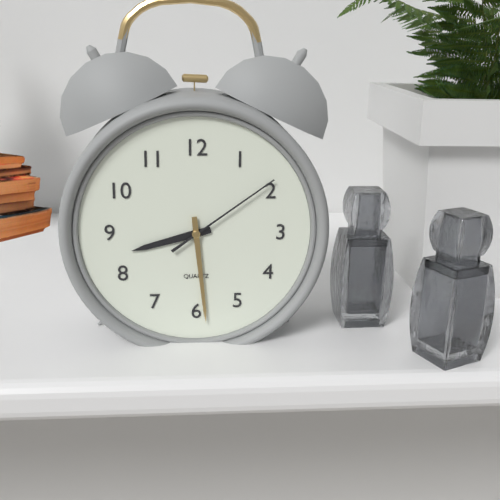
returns 8.29.09
